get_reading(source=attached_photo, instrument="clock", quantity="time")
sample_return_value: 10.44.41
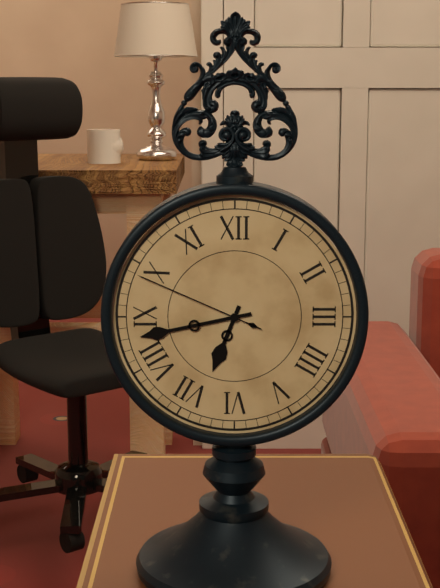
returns 6.43.49
